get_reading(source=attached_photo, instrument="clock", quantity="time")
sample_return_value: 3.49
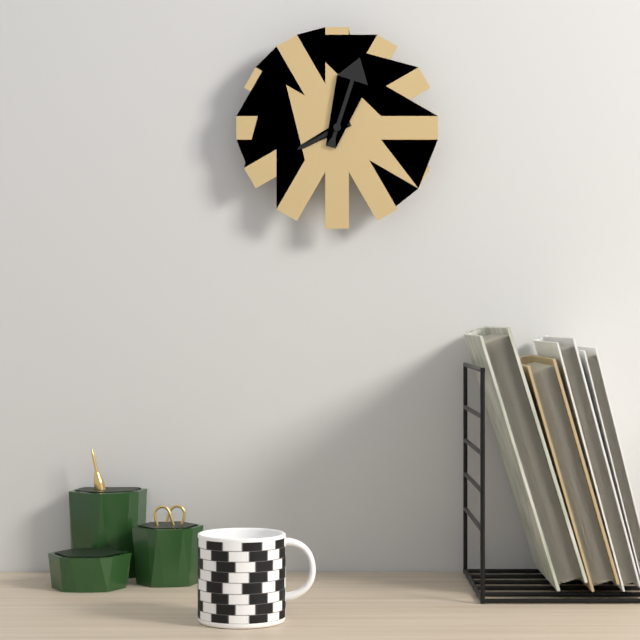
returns 8.03
